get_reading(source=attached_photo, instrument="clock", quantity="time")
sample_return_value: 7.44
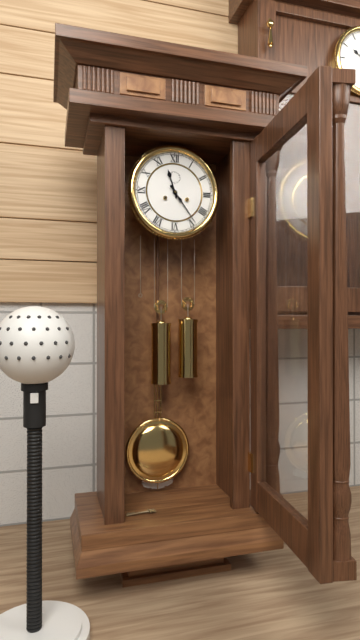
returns 11.24
